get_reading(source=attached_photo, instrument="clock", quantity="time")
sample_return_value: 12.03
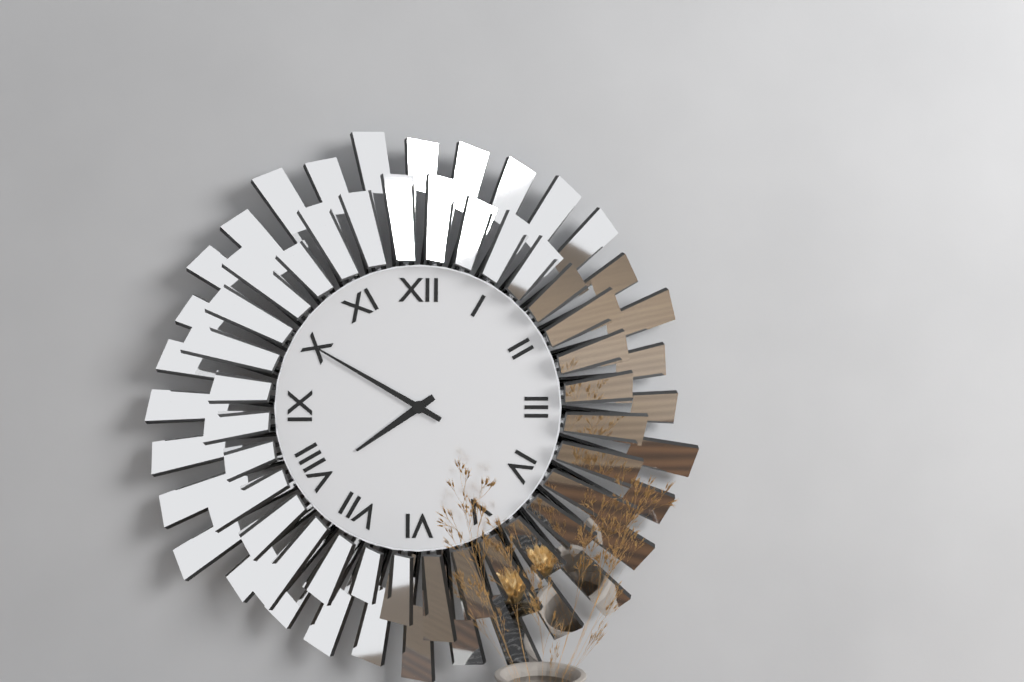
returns 7.50
